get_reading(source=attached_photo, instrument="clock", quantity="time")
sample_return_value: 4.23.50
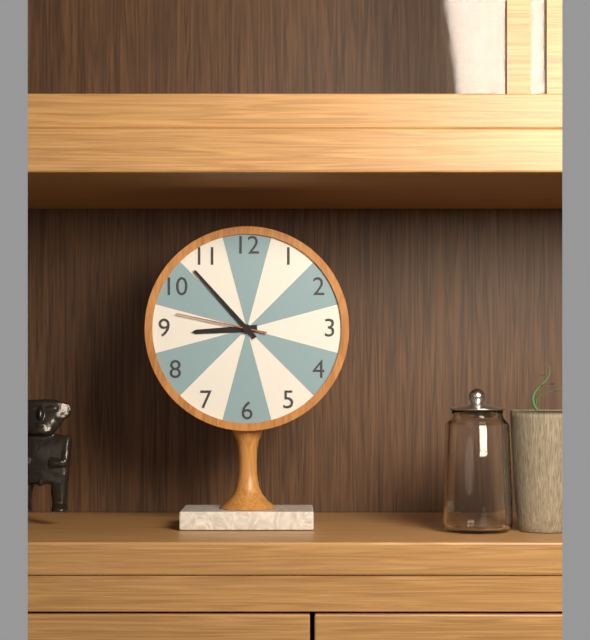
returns 8.53.47
